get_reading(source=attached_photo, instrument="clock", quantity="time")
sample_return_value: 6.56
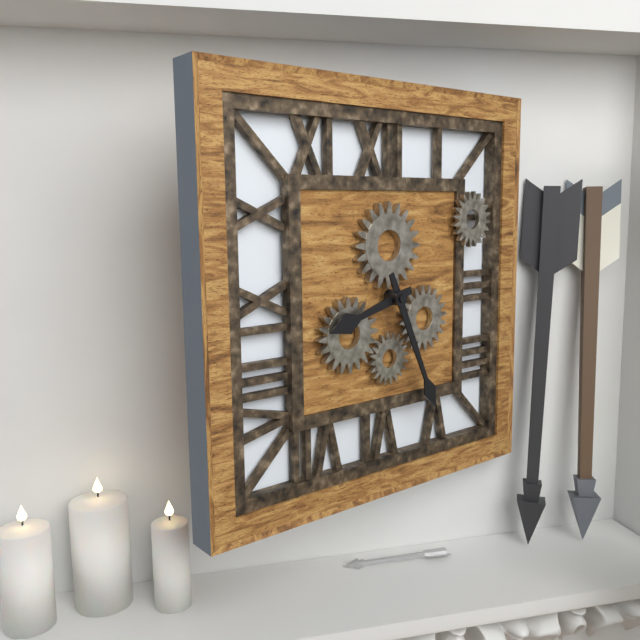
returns 8.26
